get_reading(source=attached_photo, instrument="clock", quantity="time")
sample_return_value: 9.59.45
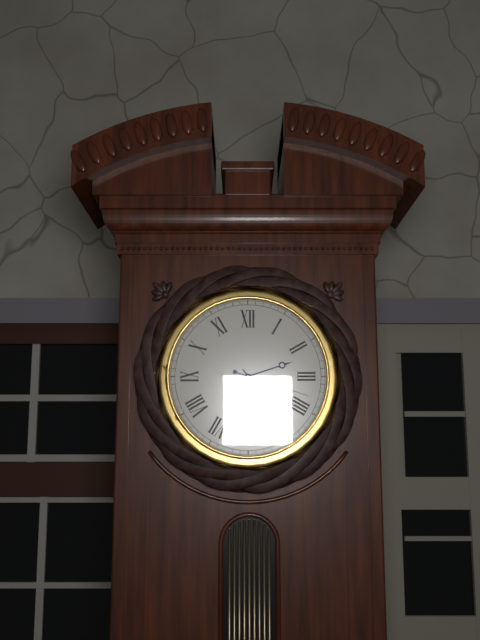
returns 2.24.18
